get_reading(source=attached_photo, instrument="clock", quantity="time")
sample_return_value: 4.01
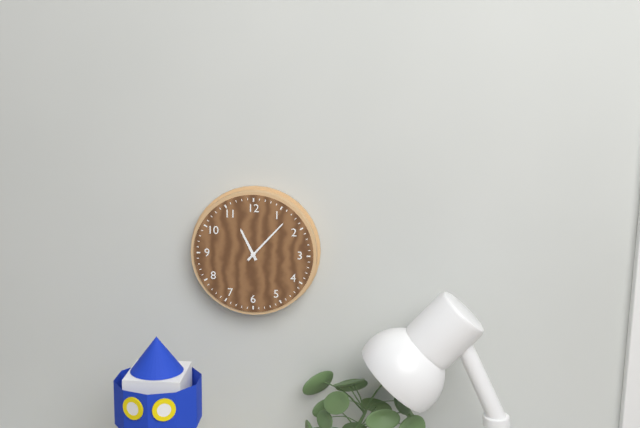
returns 11.07
